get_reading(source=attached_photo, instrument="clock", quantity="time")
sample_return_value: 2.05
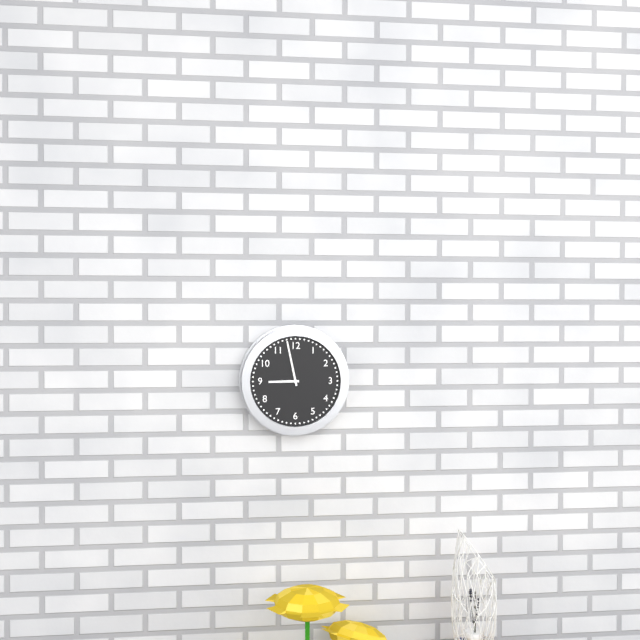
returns 8.58
